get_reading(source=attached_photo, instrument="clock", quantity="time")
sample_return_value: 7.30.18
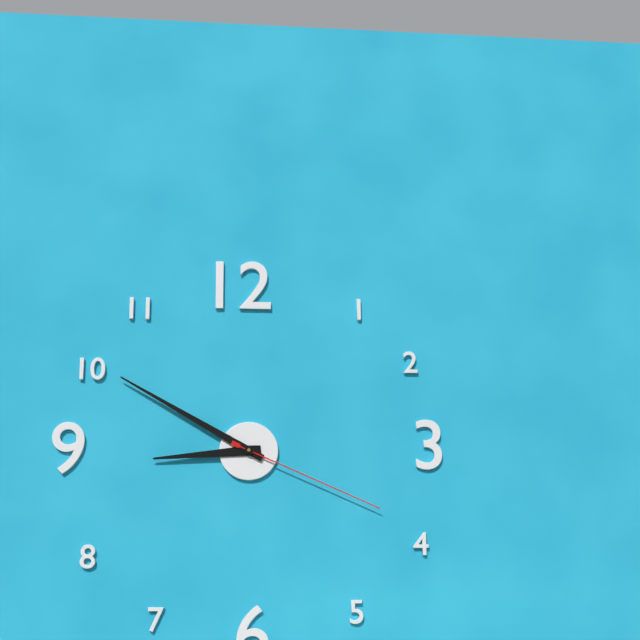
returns 8.50.19
